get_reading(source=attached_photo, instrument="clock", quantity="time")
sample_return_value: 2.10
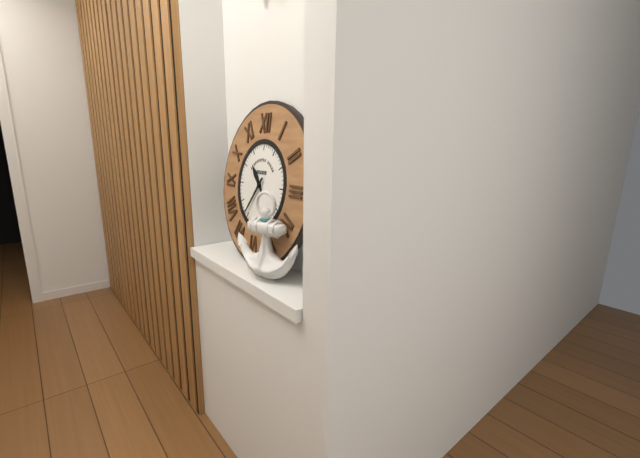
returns 10.36
